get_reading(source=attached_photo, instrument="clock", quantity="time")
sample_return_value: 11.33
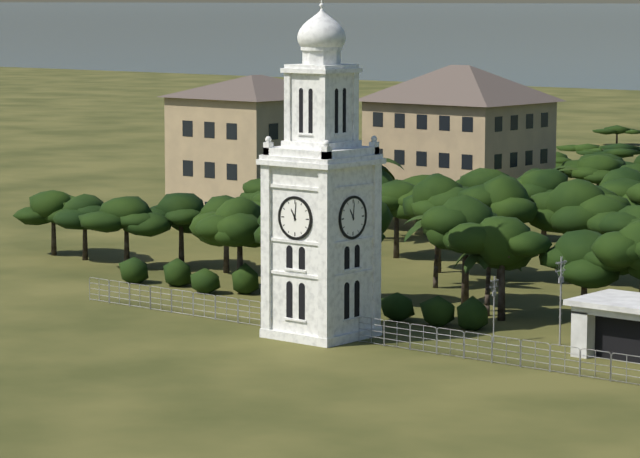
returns 11.01
